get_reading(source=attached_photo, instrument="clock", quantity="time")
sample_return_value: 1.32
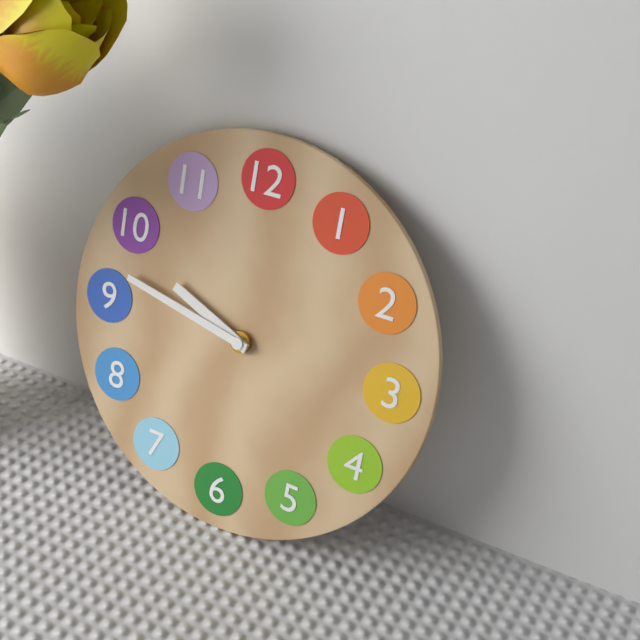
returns 9.47
